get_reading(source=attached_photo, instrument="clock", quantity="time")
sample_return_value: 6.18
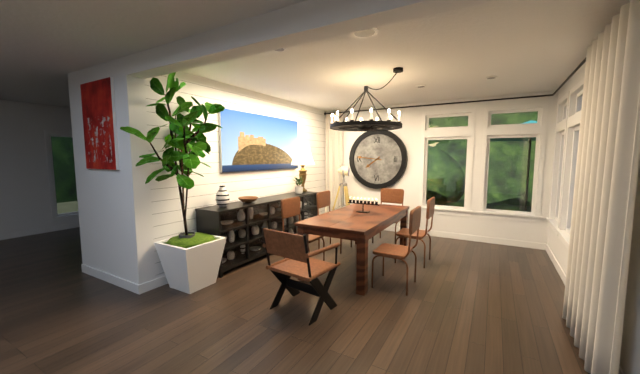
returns 7.46
